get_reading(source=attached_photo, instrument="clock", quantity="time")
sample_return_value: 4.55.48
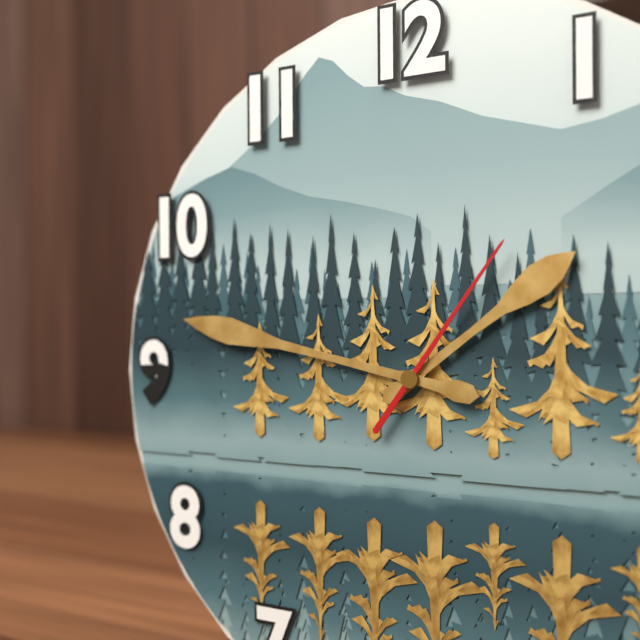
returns 1.47.06
